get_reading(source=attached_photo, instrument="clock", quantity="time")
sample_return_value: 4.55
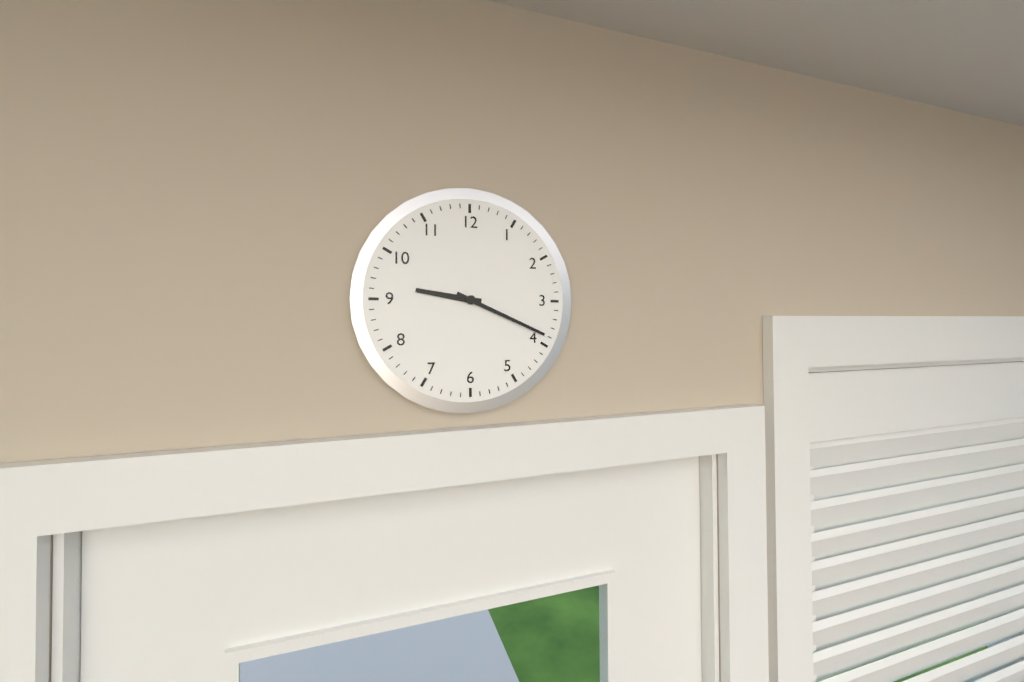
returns 9.19
